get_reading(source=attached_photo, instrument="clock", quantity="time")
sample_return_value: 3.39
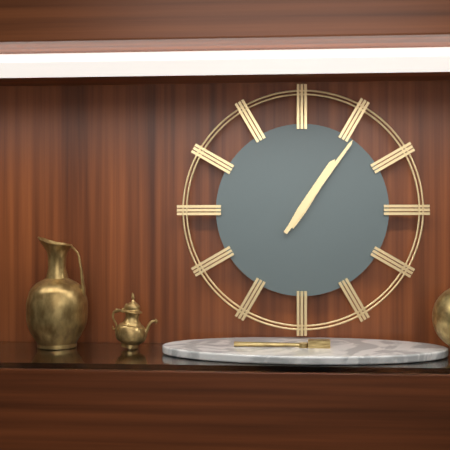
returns 1.06
